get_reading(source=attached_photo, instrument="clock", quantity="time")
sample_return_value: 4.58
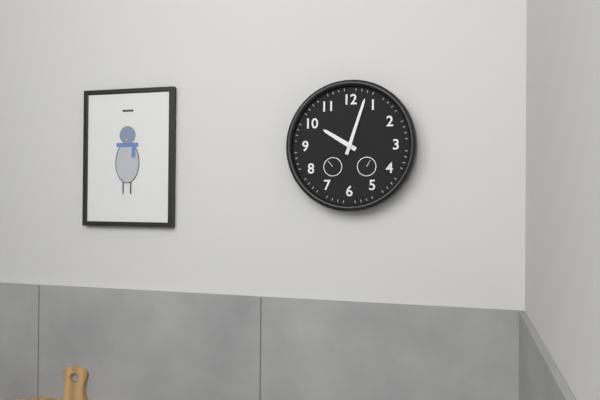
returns 10.03
